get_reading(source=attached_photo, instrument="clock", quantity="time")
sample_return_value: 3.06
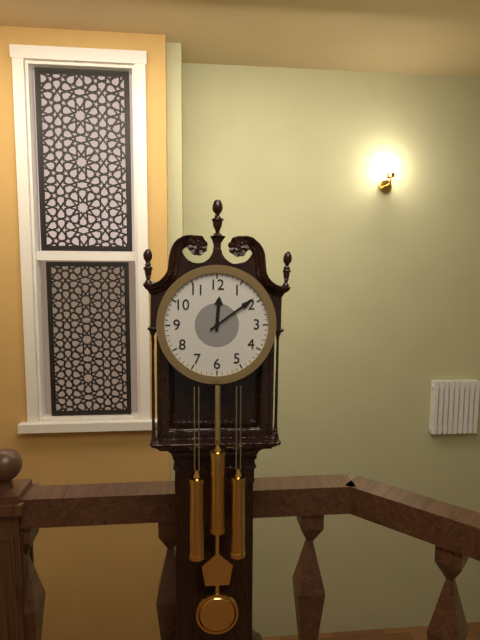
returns 12.09
